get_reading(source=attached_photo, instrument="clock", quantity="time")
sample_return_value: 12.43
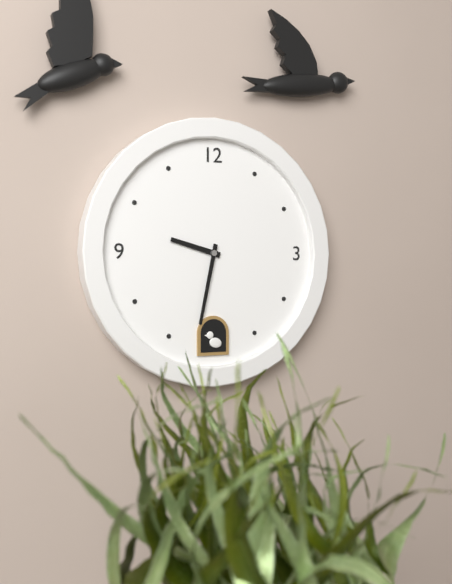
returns 9.32
